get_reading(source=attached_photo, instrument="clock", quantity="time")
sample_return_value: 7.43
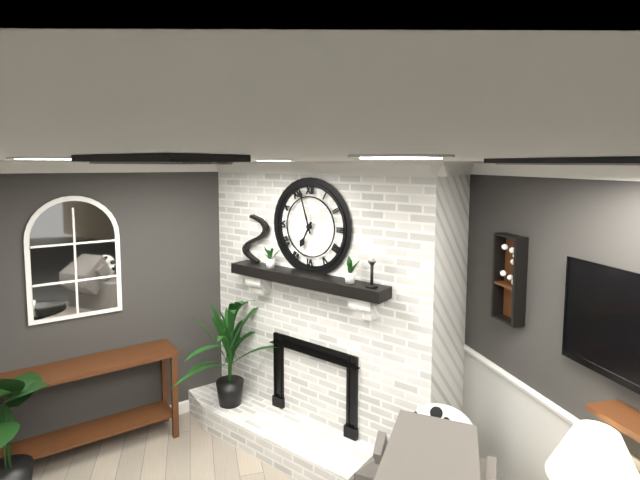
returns 6.57
